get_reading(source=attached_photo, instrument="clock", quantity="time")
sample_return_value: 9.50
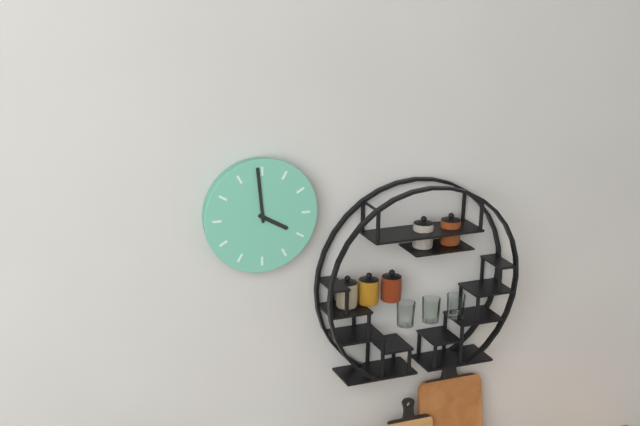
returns 3.59
